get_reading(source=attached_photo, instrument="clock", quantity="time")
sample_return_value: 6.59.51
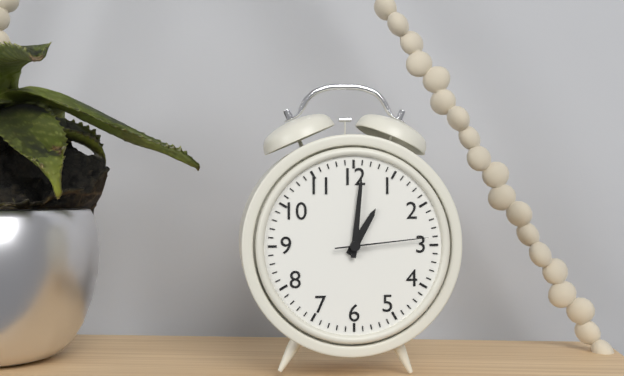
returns 1.01.14
